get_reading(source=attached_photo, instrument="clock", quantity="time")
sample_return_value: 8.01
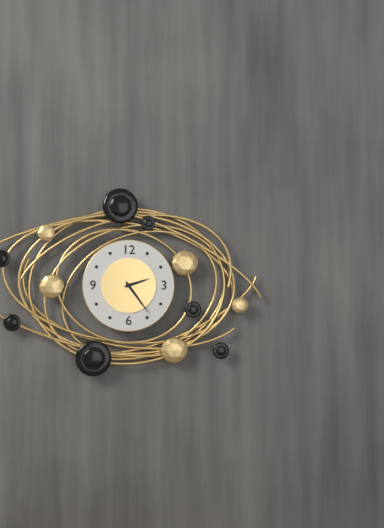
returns 2.24
